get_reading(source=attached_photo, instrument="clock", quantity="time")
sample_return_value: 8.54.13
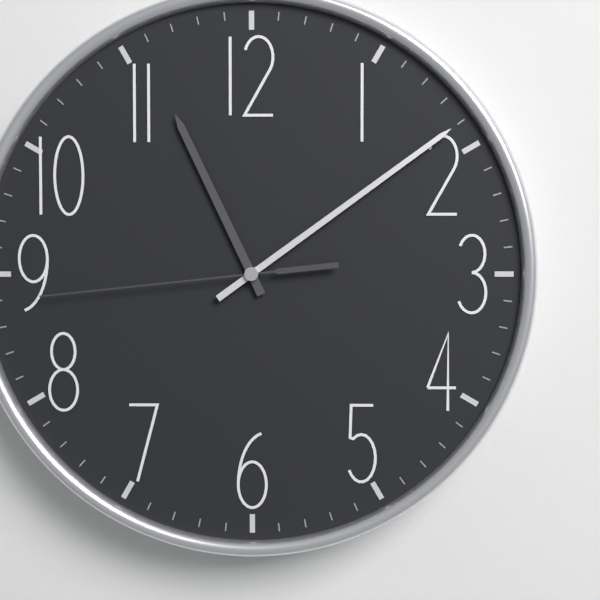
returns 11.09.44
